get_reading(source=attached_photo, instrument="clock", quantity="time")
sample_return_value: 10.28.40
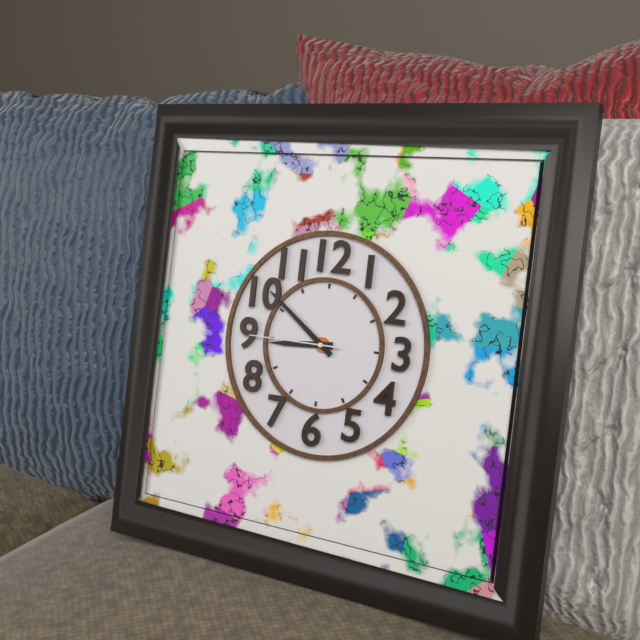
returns 8.51.45
